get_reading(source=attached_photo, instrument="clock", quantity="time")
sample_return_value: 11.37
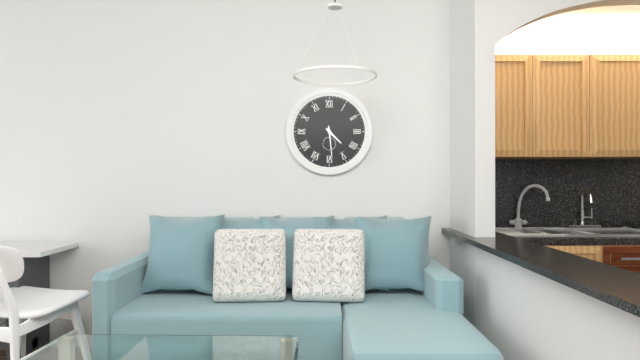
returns 4.29
